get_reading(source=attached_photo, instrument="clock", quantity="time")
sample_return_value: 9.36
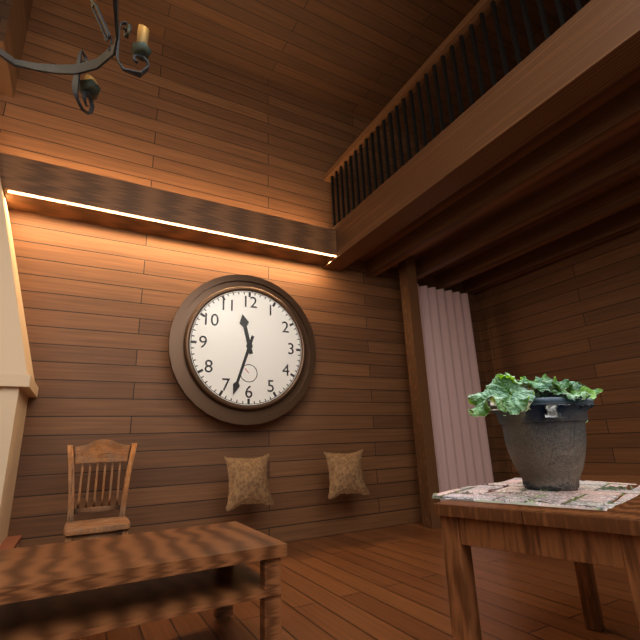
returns 11.33
